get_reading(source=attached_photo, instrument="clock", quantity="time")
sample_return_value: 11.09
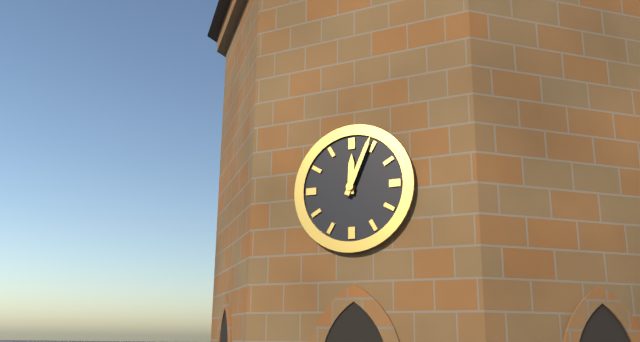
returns 12.04
